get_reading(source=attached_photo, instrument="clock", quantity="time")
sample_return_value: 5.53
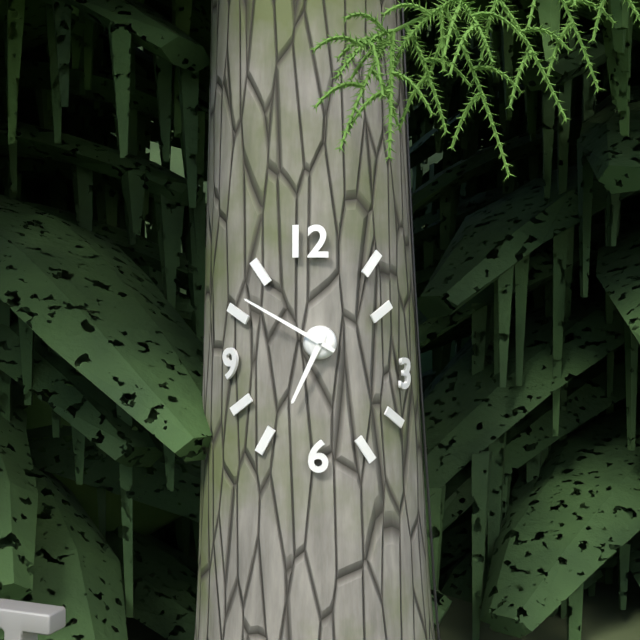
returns 6.50
